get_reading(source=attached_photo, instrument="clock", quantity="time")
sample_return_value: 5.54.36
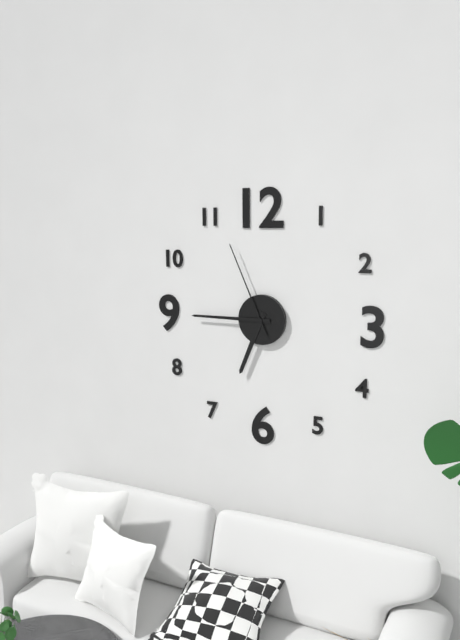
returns 6.45.56
